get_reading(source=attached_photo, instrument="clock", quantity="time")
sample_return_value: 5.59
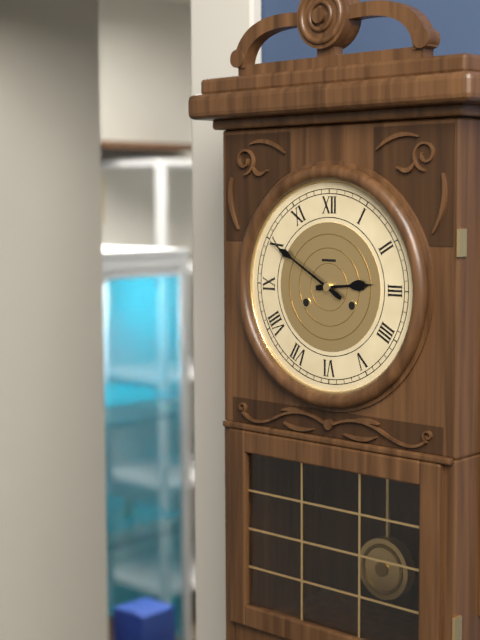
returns 2.50
